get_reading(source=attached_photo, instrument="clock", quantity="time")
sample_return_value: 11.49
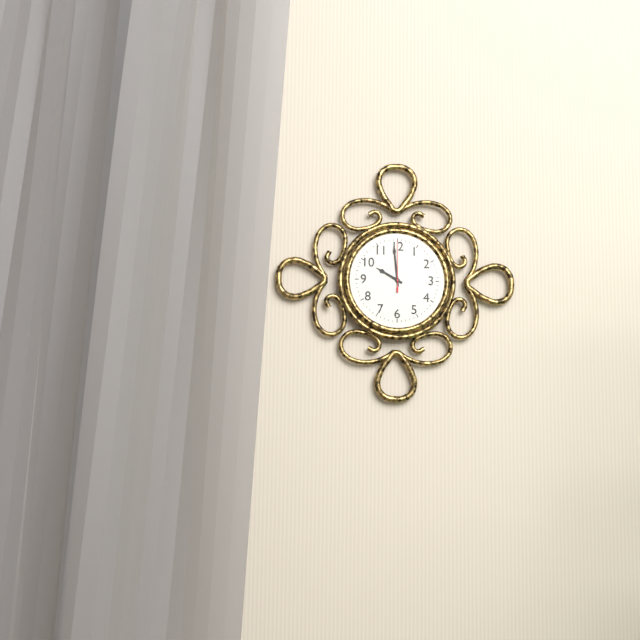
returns 9.59
